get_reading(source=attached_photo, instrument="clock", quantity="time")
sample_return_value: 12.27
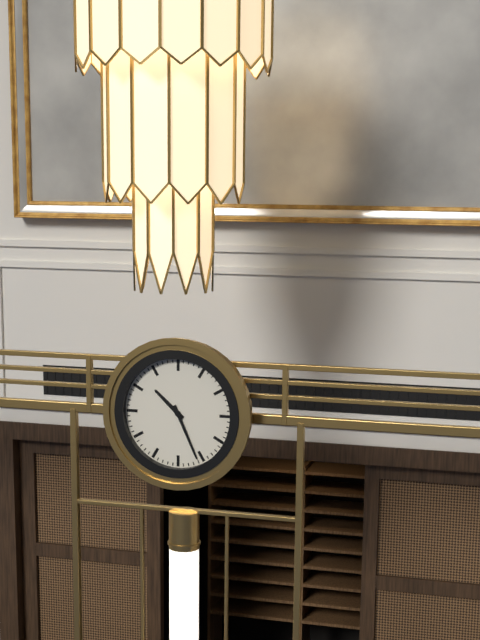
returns 10.26
